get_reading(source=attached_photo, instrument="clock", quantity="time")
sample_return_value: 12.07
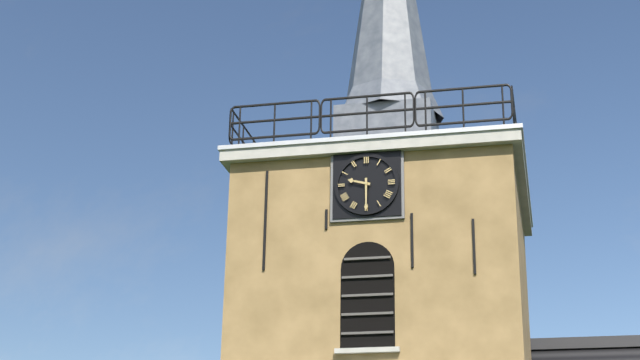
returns 9.30
